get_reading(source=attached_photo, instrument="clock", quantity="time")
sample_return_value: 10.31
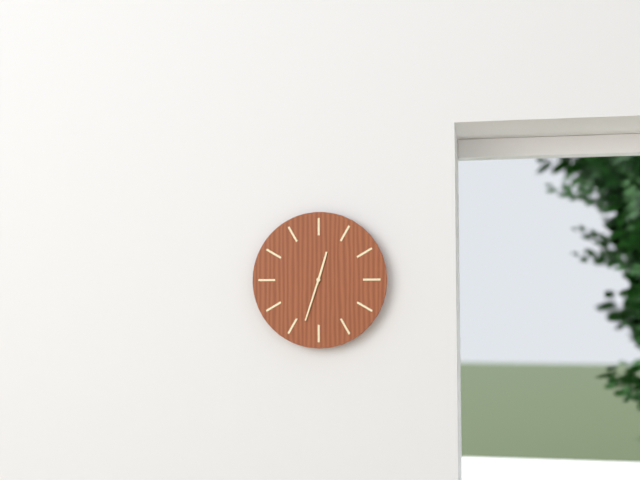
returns 12.33
